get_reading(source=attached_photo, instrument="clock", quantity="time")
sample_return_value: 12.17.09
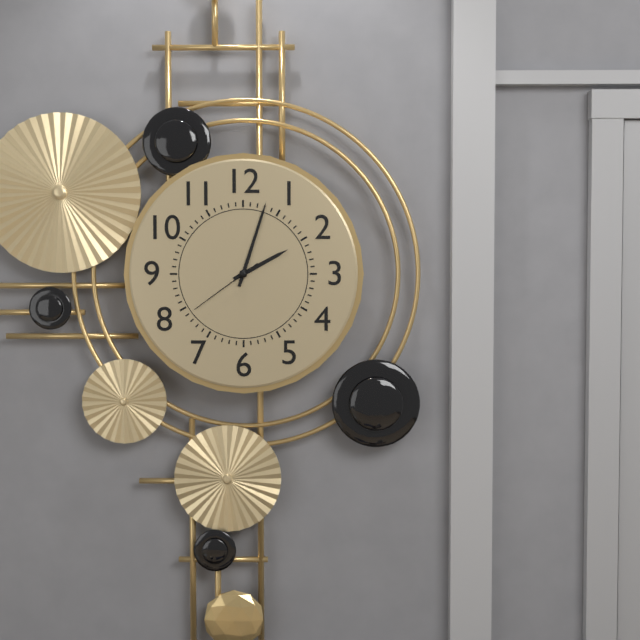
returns 2.03.39
